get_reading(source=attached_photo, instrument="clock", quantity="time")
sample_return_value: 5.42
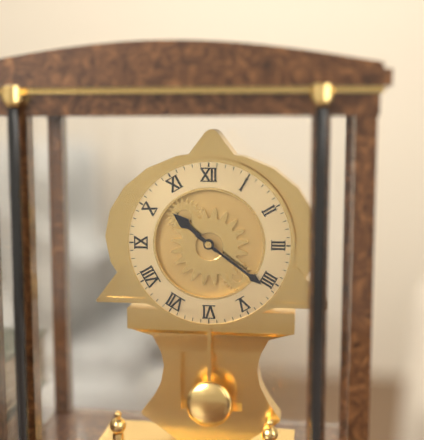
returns 10.21
